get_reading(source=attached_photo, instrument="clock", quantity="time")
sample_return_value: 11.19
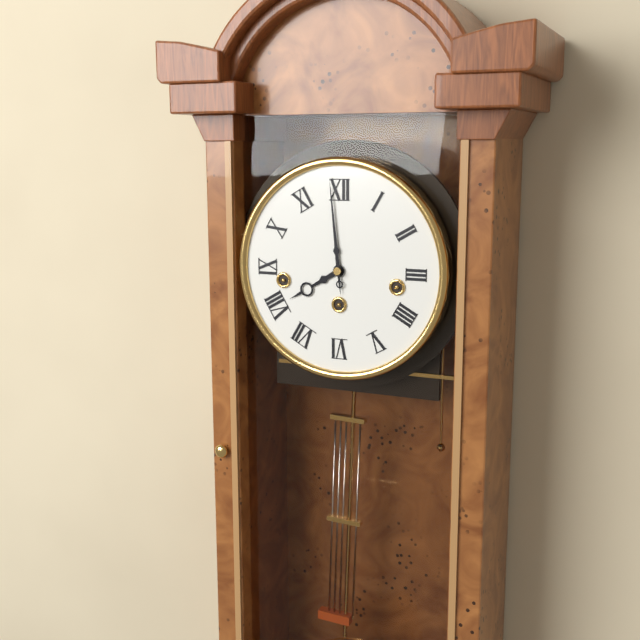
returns 7.59
